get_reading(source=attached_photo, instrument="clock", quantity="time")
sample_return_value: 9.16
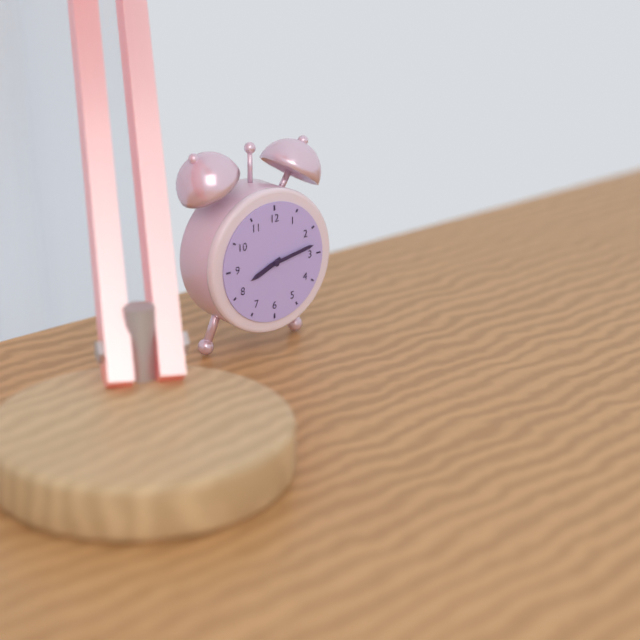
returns 8.13
